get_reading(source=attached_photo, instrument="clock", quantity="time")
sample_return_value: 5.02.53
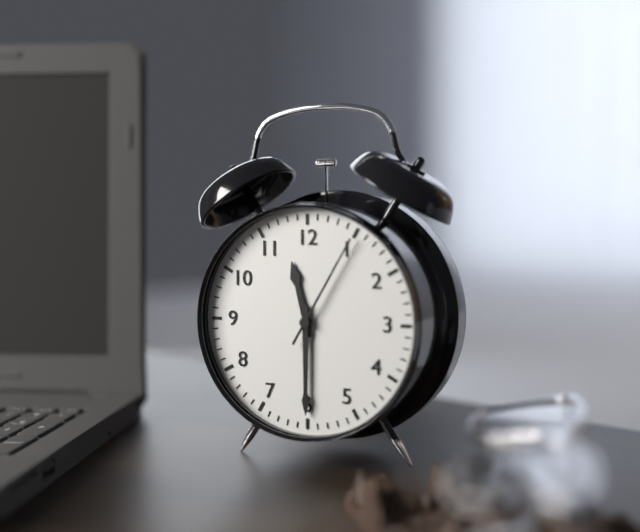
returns 11.30.05
